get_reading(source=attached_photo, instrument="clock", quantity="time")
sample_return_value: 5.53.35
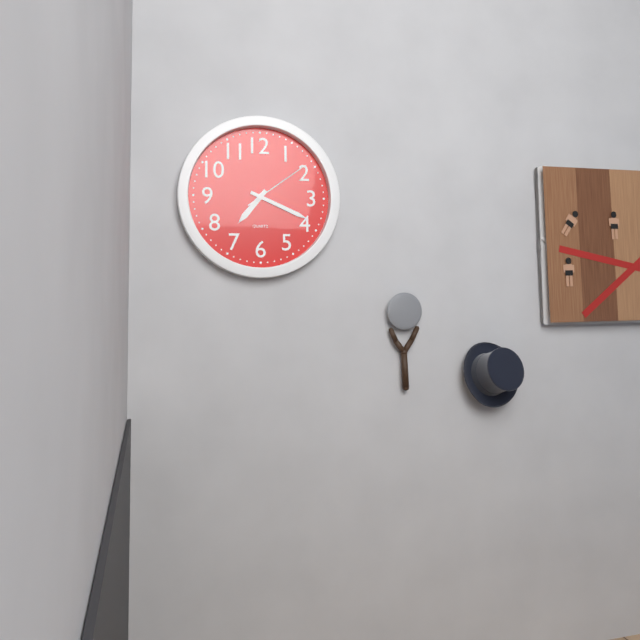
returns 7.19.09
